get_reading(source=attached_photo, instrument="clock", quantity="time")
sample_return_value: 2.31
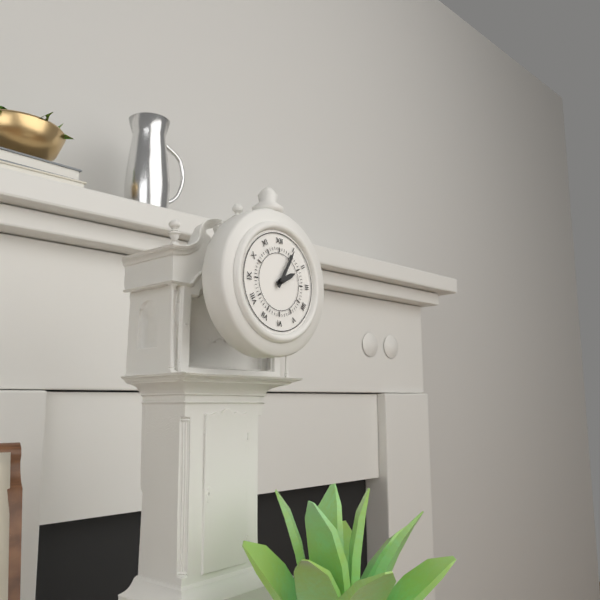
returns 2.05
